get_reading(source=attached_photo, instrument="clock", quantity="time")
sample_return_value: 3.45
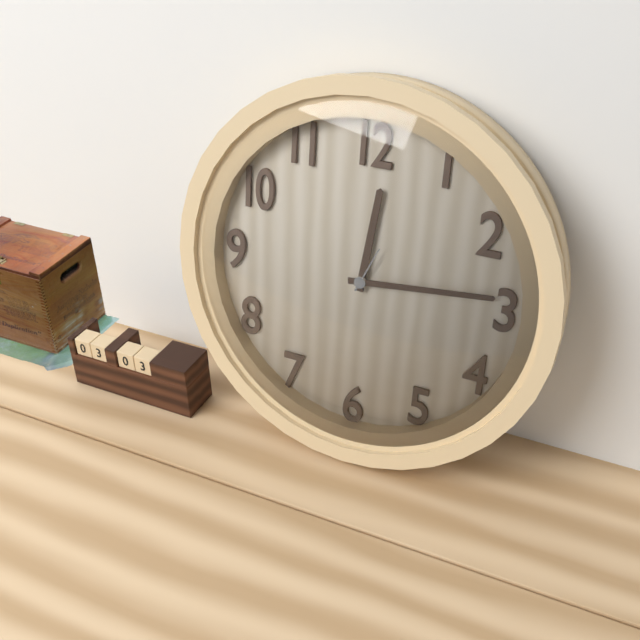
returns 12.14
